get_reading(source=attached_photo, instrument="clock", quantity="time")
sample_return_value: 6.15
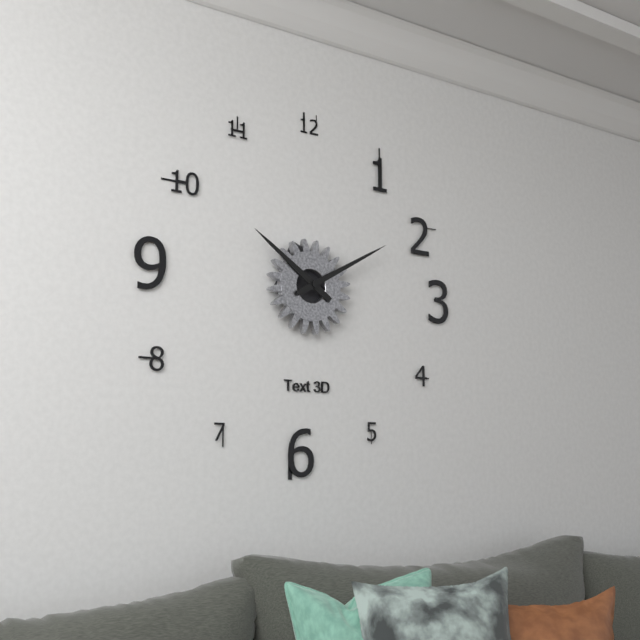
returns 10.10
